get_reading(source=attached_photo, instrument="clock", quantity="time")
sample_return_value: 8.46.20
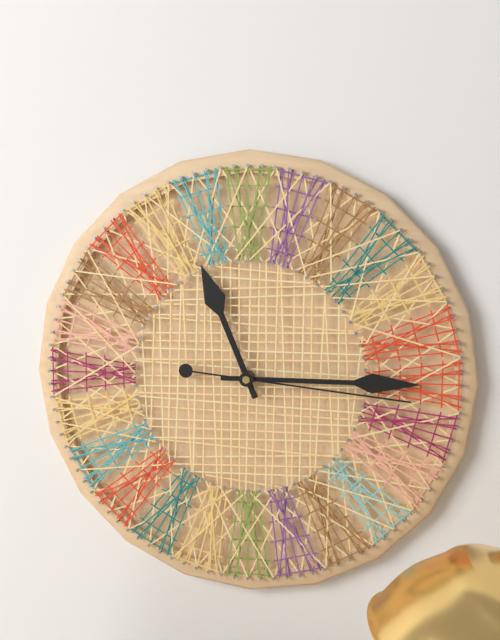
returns 11.15.16
